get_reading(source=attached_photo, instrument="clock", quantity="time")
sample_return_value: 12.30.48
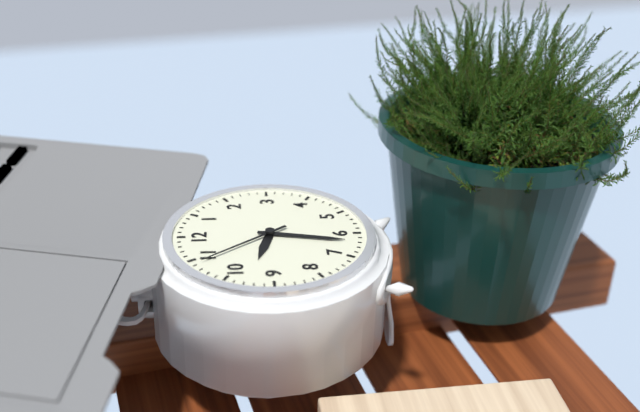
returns 9.32.54
